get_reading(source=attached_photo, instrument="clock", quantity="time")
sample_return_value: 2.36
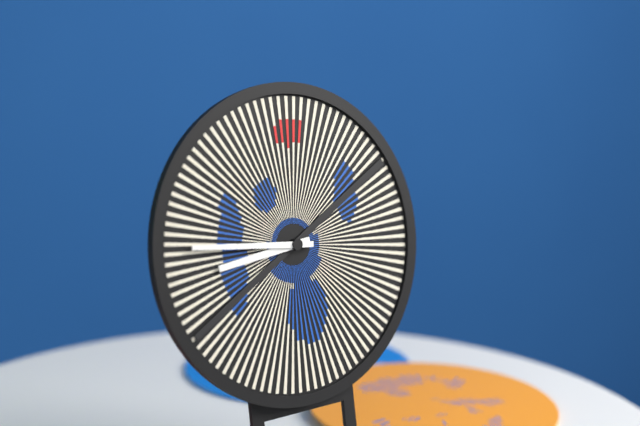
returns 8.46
